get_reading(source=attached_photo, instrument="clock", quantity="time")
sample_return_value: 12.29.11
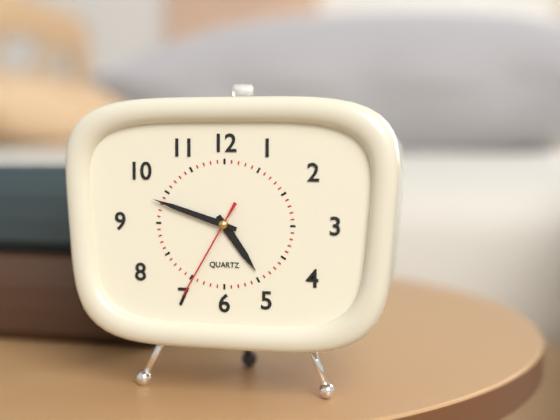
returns 4.48.35
